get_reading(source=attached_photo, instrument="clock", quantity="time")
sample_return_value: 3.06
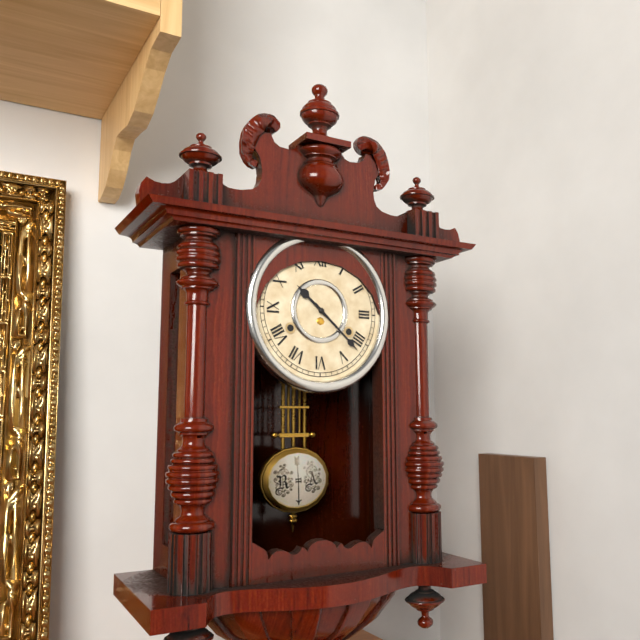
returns 10.22
